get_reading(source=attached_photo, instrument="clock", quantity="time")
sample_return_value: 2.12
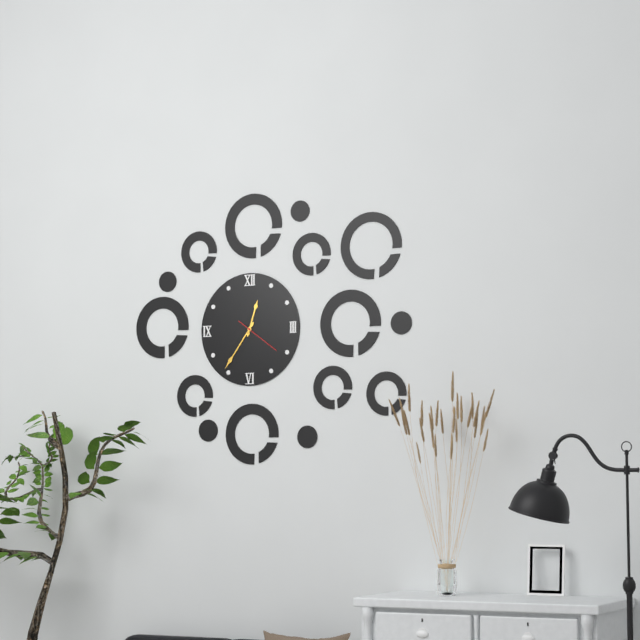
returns 12.36
